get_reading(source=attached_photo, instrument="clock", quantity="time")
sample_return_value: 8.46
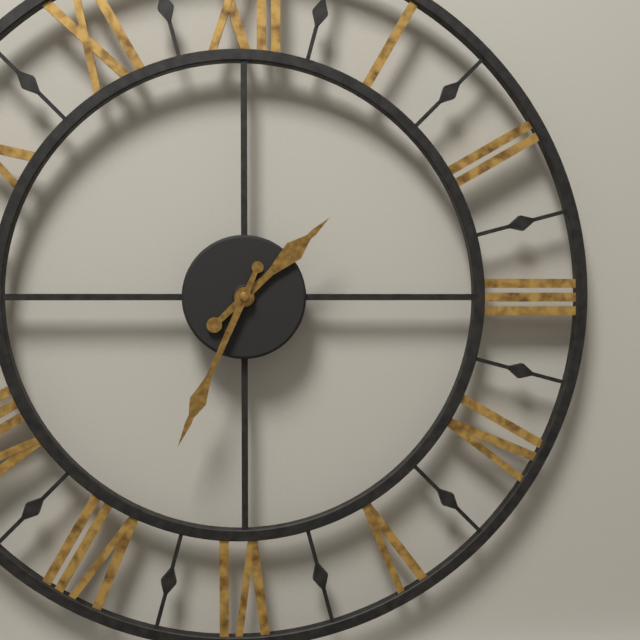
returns 1.34
